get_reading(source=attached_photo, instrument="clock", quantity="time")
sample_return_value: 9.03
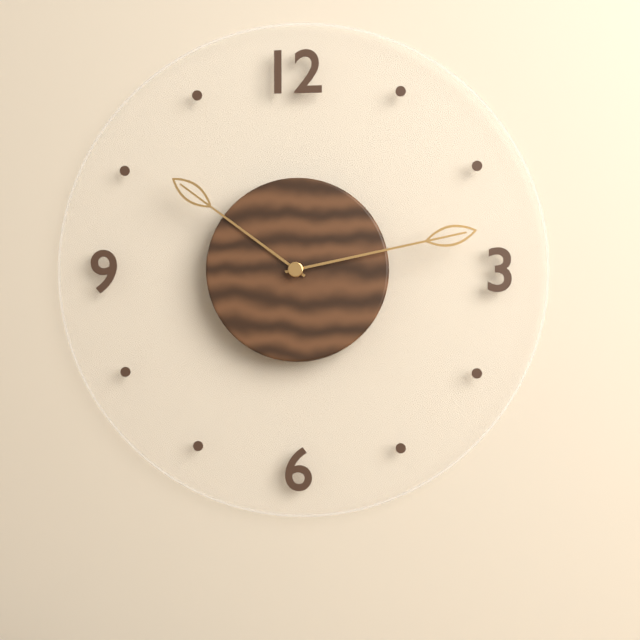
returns 10.13
